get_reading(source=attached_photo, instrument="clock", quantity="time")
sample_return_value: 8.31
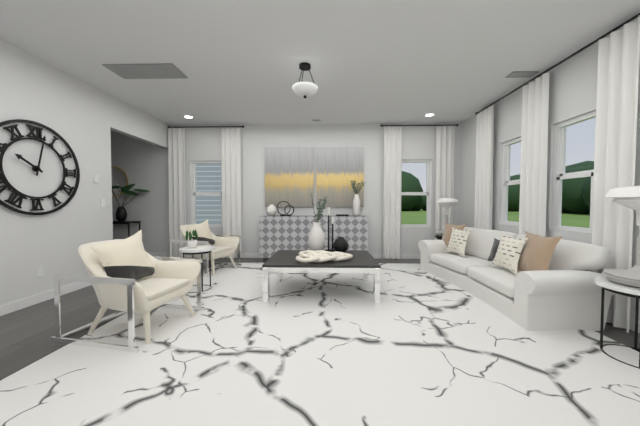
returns 10.02
